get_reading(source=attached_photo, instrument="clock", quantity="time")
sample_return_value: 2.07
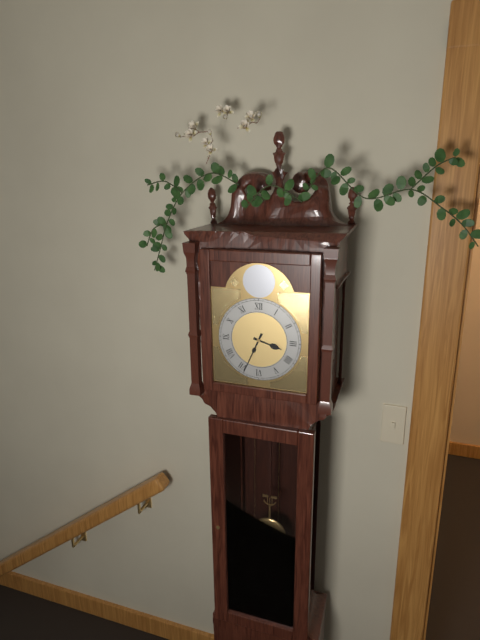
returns 3.34
